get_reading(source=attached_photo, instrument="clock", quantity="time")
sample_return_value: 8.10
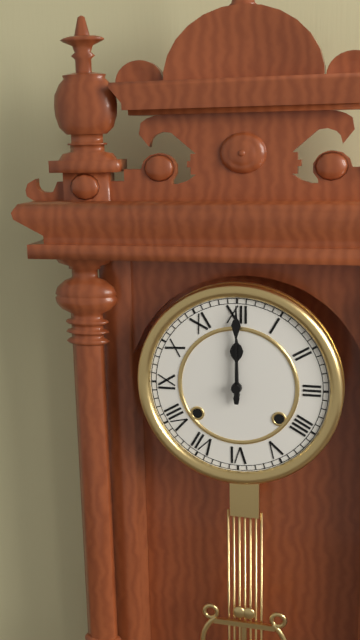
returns 12.00
